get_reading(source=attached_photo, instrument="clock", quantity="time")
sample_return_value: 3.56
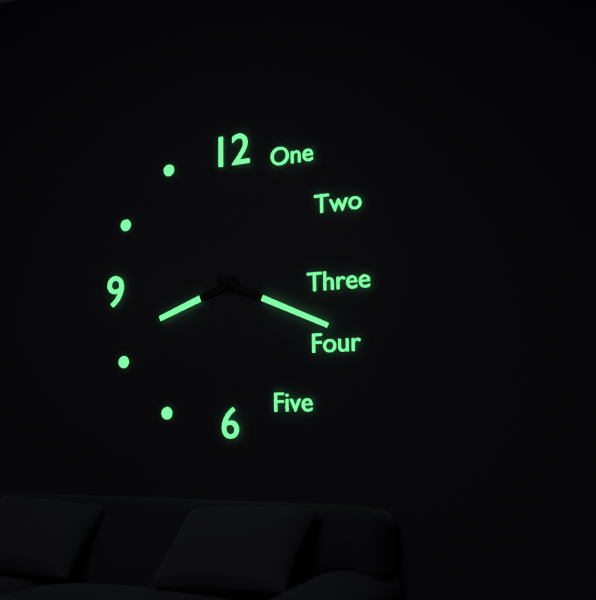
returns 8.19
